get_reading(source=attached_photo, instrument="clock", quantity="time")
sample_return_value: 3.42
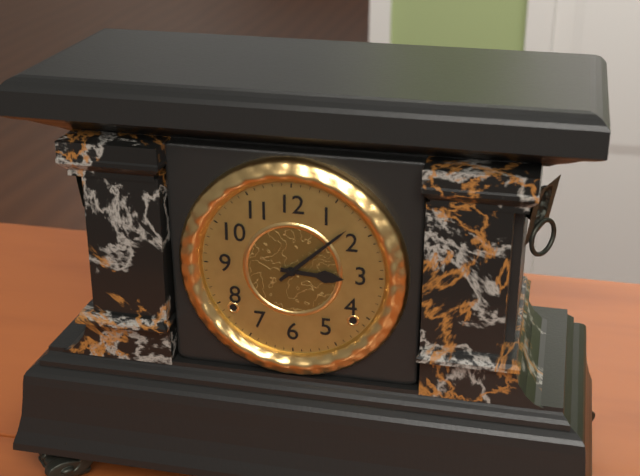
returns 3.08
